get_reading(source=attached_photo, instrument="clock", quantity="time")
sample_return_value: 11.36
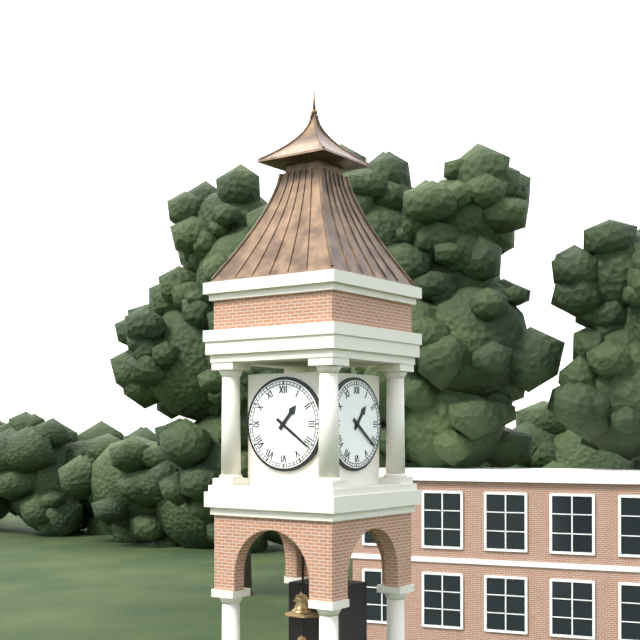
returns 1.21
